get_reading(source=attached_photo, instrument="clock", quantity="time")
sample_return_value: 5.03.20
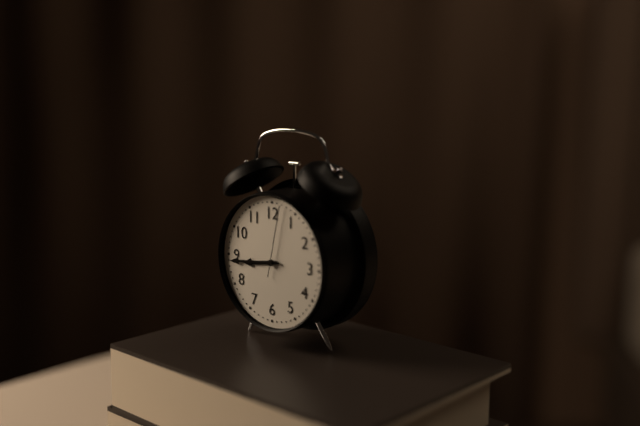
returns 8.44.02
